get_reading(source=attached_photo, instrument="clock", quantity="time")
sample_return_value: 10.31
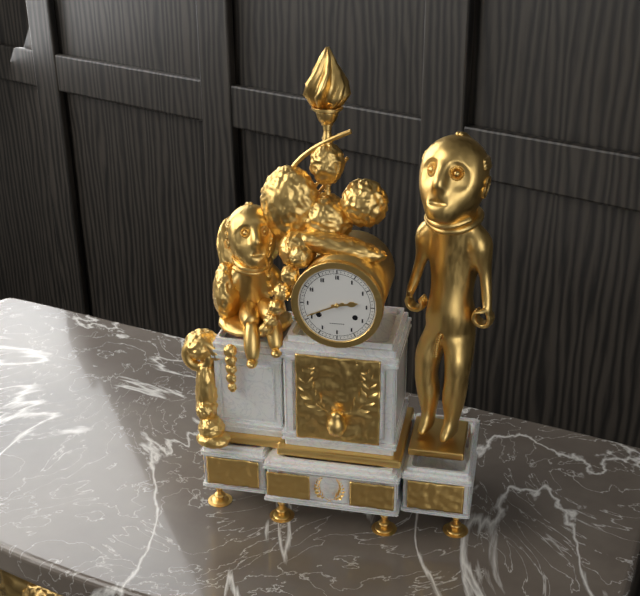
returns 2.41
